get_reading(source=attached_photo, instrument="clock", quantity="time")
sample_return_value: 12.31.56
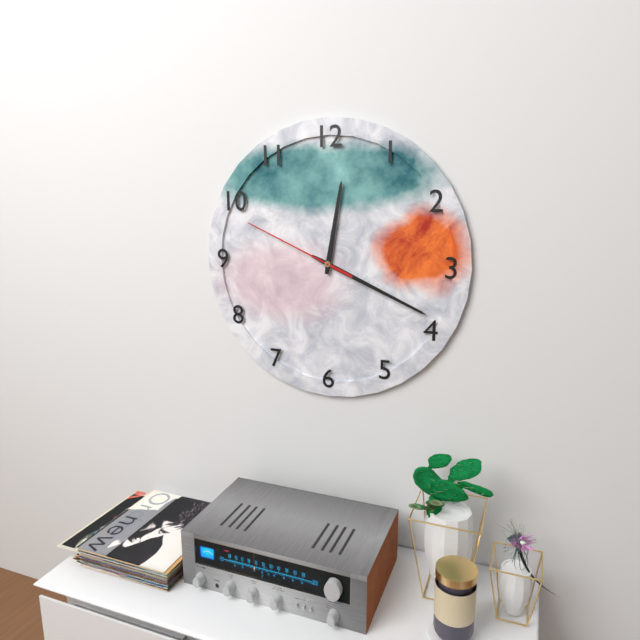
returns 12.19.49
